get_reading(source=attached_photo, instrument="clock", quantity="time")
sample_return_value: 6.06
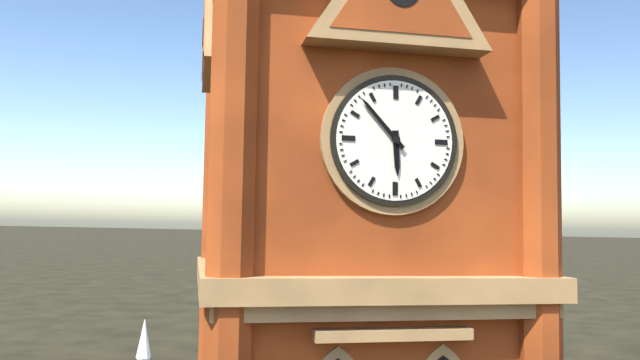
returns 5.53
